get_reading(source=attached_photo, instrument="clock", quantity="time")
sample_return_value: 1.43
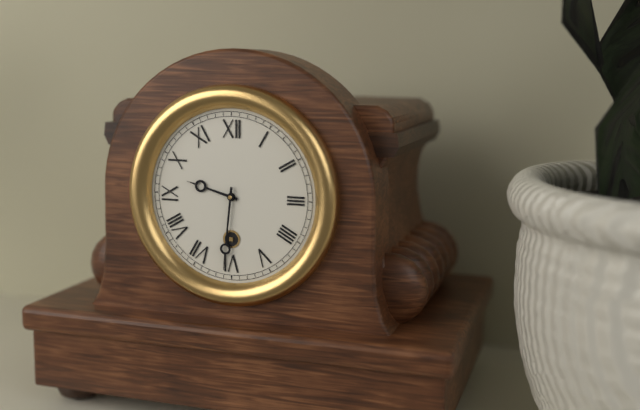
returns 9.31
